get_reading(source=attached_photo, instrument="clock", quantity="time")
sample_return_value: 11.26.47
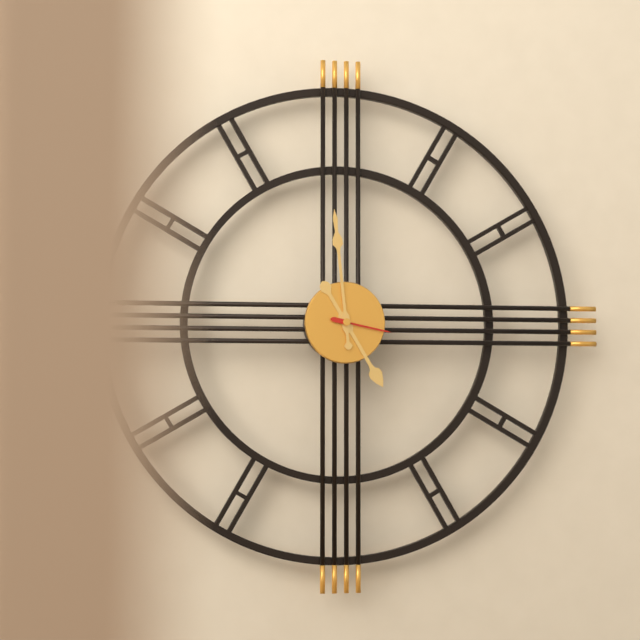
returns 4.59.17
